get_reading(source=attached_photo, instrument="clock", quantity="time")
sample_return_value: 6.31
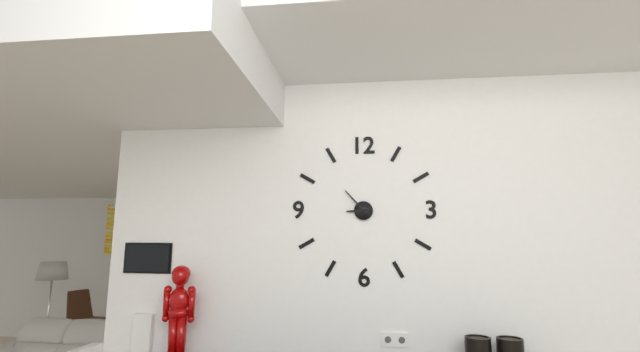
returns 8.53
